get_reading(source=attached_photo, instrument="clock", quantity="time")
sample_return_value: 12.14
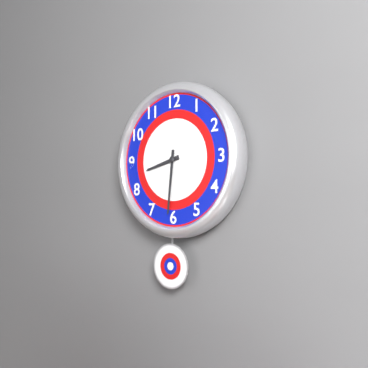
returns 8.31
